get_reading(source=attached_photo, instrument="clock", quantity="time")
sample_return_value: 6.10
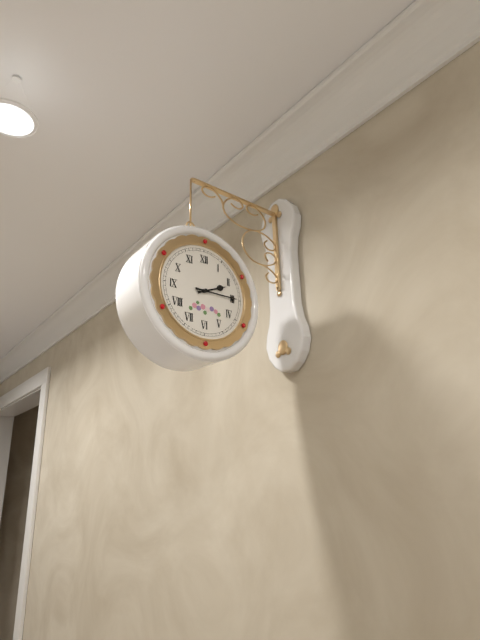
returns 2.15
